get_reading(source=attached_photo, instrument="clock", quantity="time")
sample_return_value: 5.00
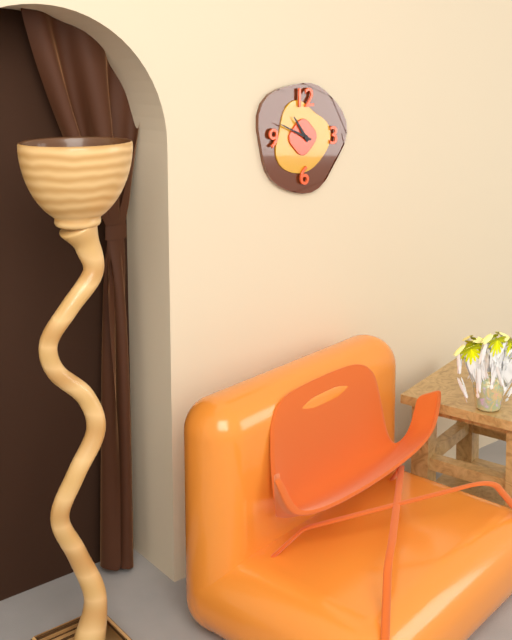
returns 10.49
